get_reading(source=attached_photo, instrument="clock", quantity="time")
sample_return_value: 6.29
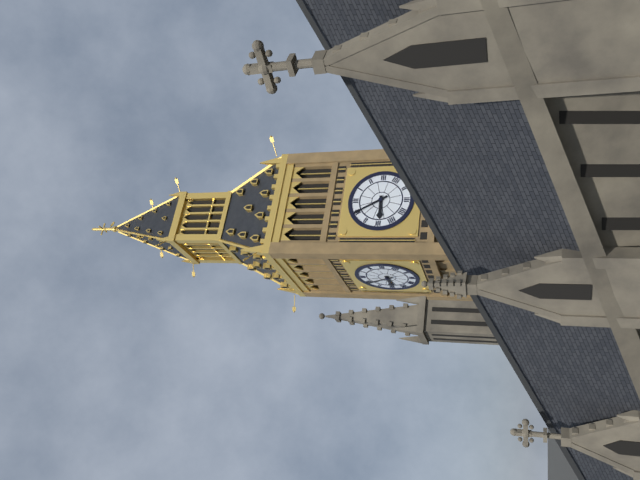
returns 8.55
